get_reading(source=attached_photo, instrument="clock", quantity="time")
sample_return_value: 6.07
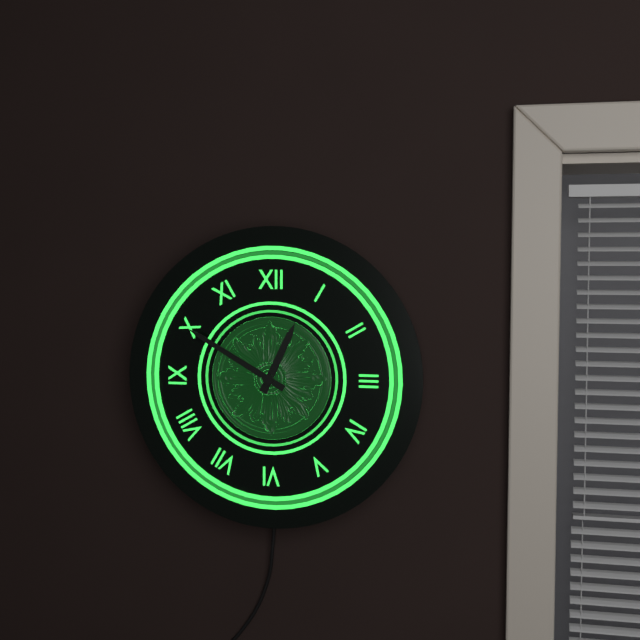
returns 12.50
